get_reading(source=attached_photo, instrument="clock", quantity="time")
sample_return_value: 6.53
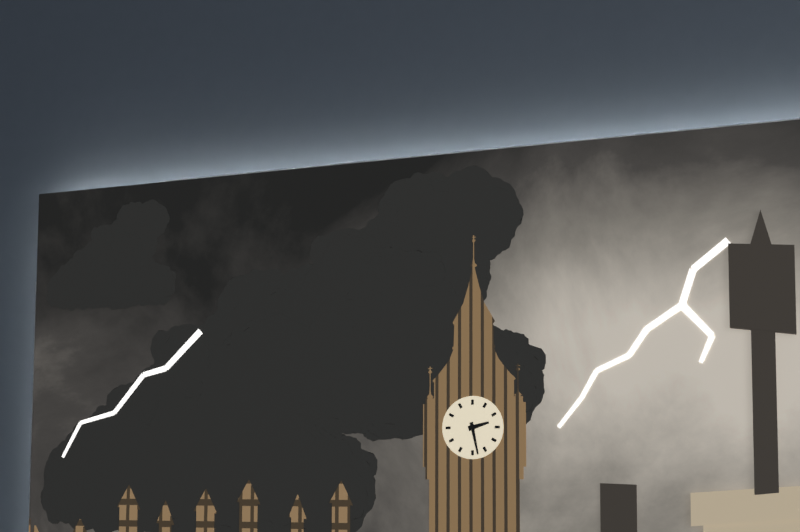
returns 2.28
